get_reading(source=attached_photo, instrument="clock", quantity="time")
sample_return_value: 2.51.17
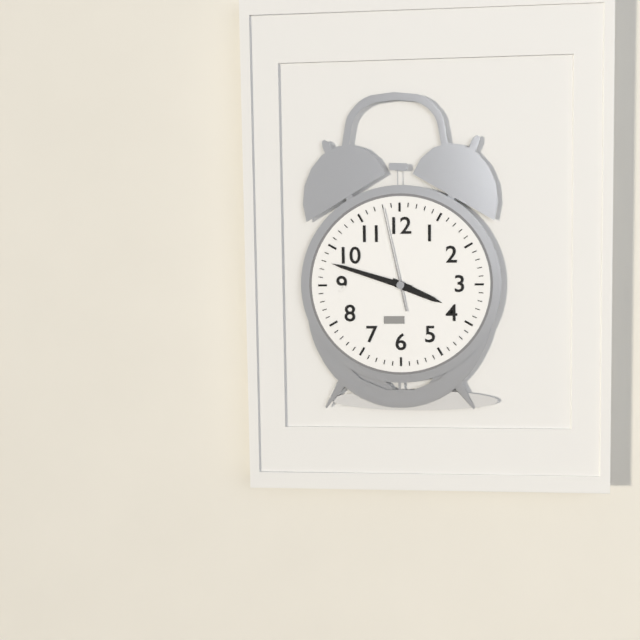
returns 3.48.58
